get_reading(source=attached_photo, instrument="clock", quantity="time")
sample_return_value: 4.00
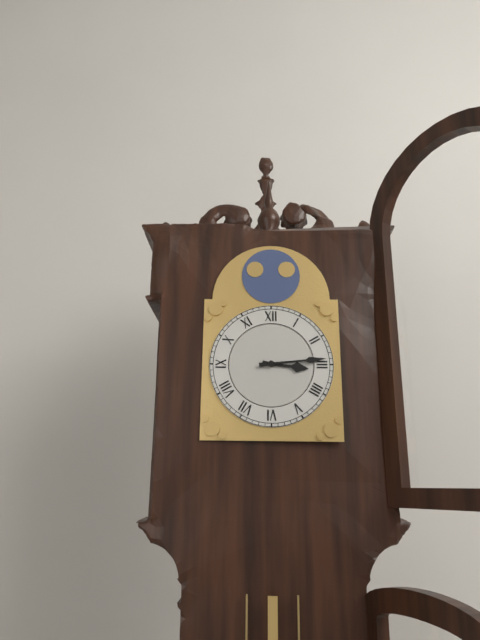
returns 3.14
